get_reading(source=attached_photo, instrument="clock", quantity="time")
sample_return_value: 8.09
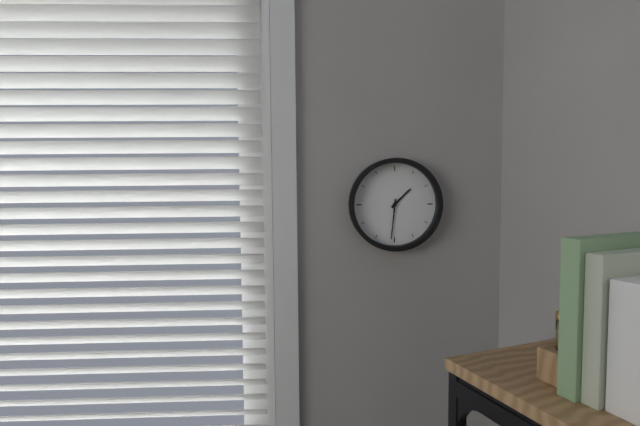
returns 1.31
